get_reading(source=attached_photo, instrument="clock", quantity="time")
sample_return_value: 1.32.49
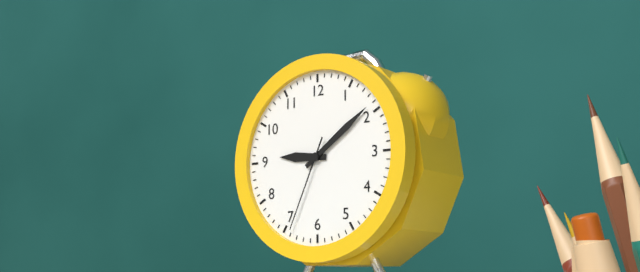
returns 9.09.34
